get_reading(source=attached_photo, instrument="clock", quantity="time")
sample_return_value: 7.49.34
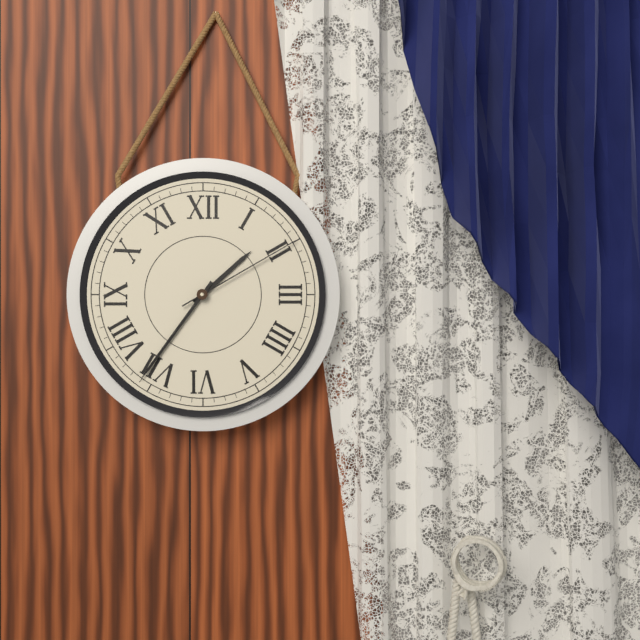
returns 1.36.10
